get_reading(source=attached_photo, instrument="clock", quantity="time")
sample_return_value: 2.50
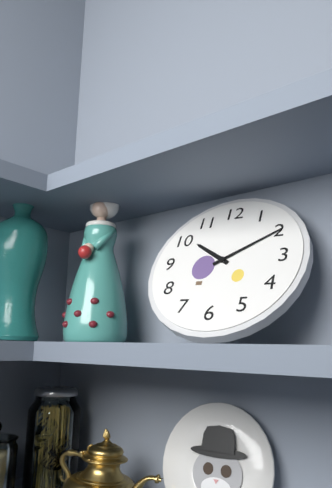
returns 10.10
